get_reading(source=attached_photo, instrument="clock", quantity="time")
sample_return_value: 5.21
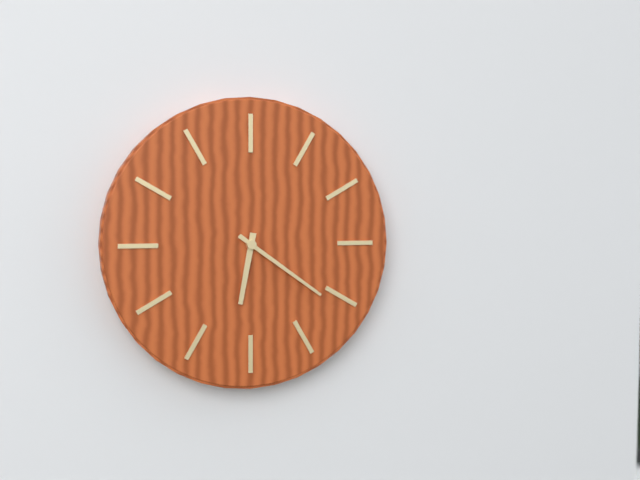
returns 6.21
